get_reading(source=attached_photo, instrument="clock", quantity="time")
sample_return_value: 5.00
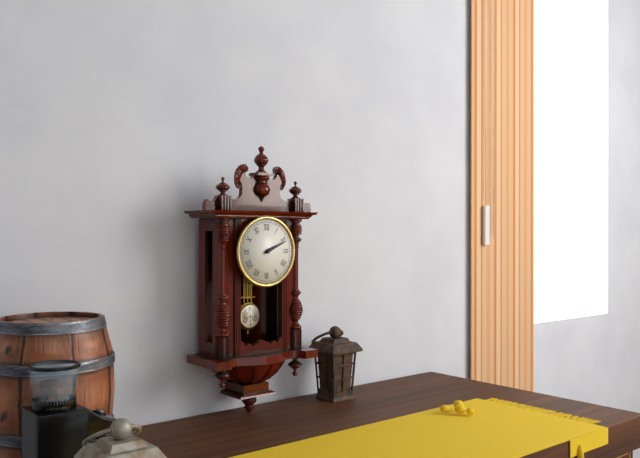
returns 2.11
